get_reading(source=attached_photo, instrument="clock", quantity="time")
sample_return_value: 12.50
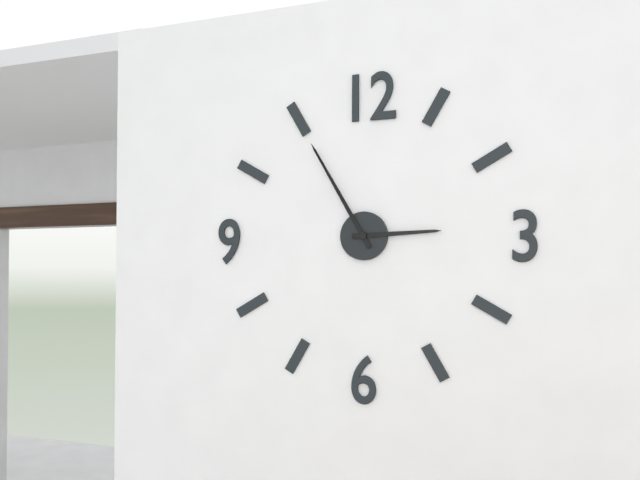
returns 2.55
